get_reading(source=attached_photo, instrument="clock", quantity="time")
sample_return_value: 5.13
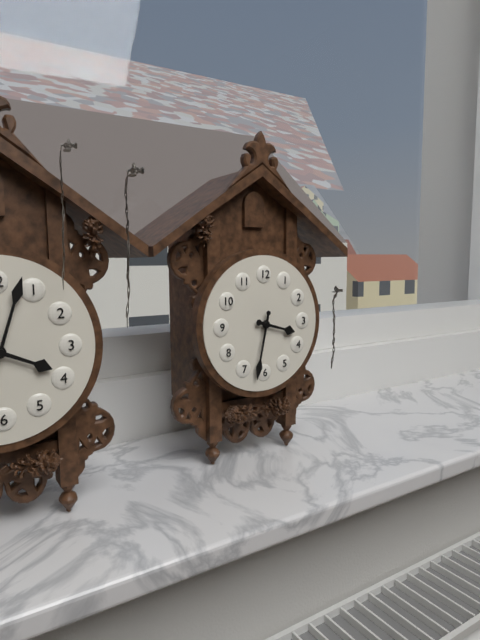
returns 3.32
